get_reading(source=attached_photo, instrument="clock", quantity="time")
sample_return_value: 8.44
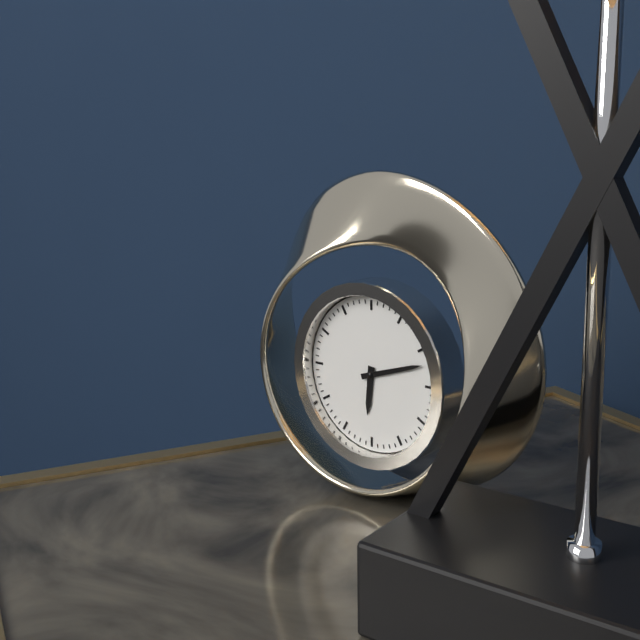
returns 6.12
